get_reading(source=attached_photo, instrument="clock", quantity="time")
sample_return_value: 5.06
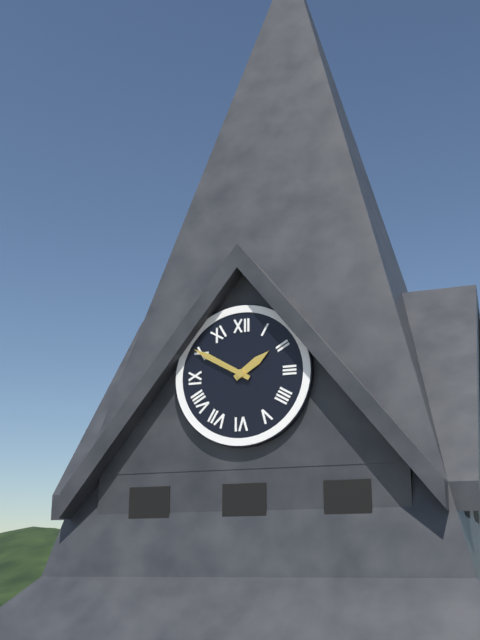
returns 1.50
